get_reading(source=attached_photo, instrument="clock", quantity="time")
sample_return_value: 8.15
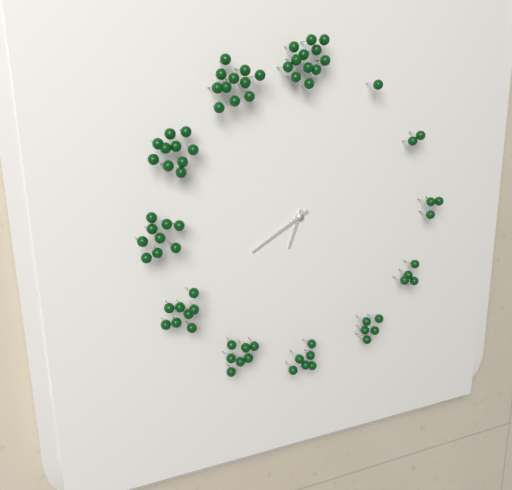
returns 6.40
